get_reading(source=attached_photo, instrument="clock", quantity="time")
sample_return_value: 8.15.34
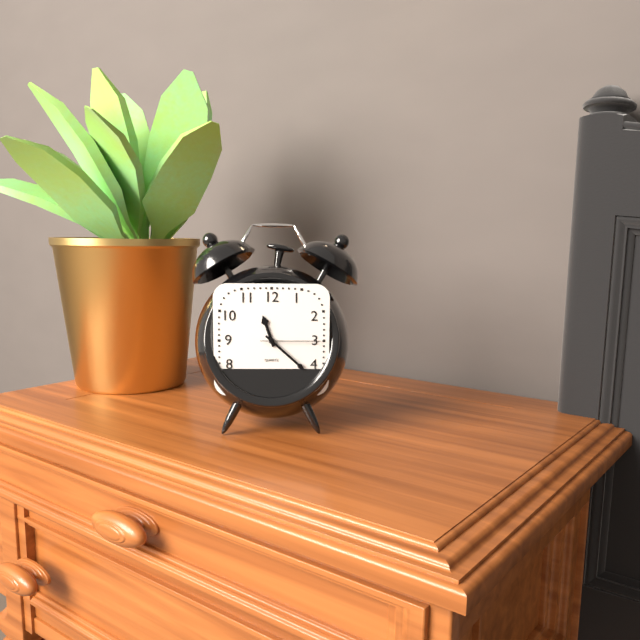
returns 11.22.15
